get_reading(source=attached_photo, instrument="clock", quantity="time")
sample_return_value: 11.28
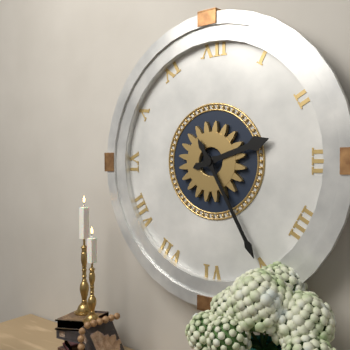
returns 2.25
